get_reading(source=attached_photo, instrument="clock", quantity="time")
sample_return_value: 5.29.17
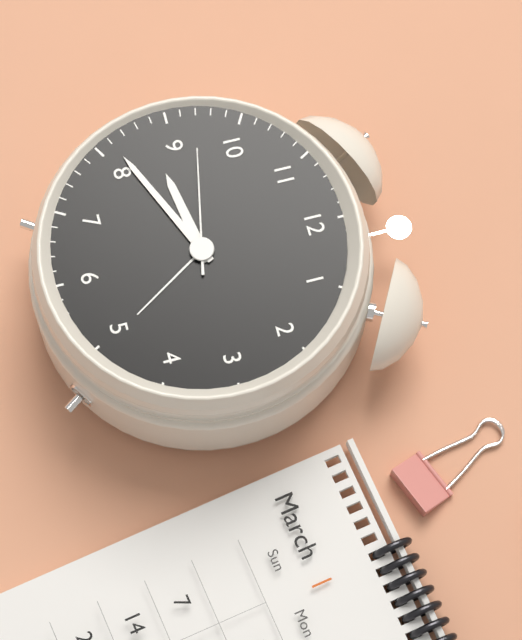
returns 8.41.47
